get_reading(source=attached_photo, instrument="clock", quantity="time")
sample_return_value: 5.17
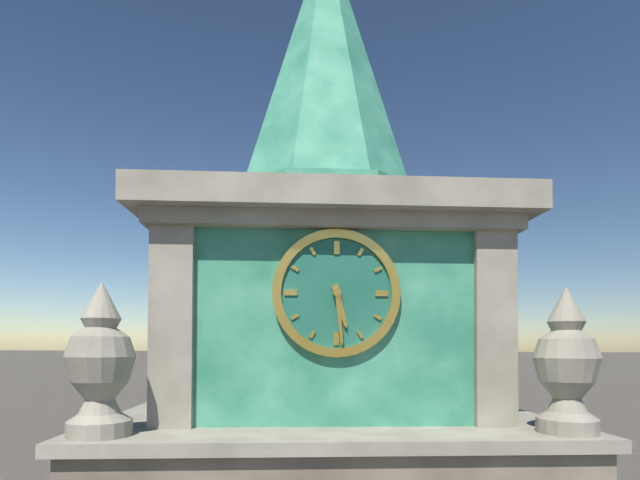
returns 5.29
